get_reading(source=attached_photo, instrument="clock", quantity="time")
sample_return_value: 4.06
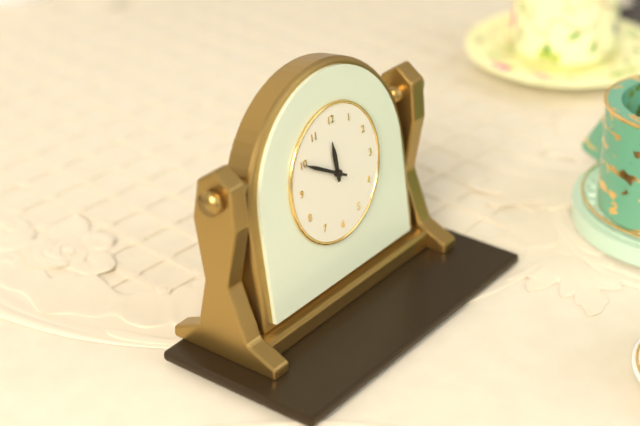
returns 11.50
